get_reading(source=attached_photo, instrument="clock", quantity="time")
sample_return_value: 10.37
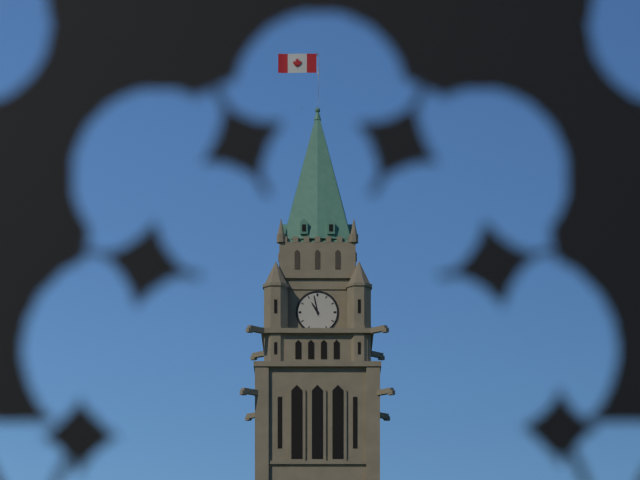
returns 10.58
